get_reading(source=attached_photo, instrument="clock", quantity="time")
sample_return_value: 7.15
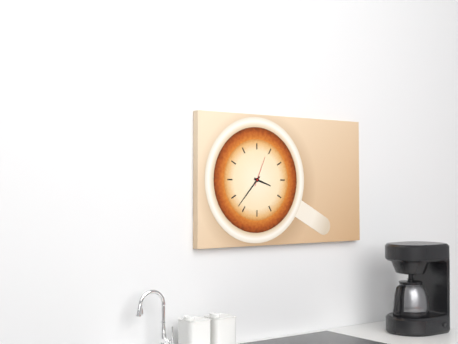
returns 3.37
